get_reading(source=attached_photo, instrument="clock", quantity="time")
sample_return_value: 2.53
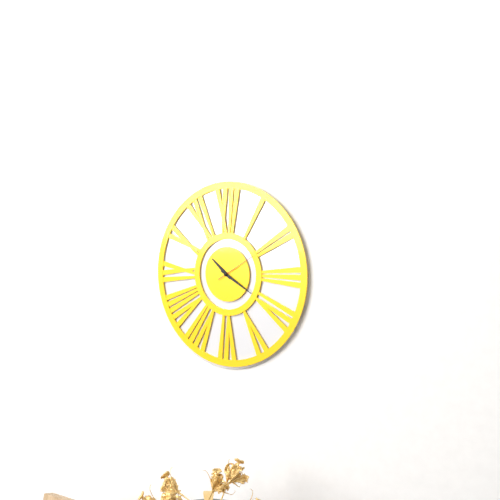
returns 10.20
